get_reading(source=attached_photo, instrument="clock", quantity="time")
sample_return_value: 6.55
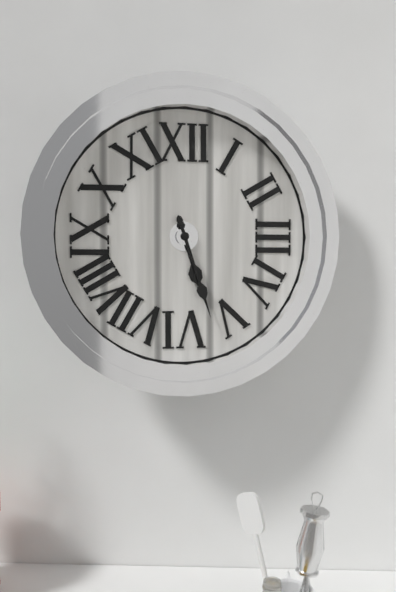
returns 5.27
